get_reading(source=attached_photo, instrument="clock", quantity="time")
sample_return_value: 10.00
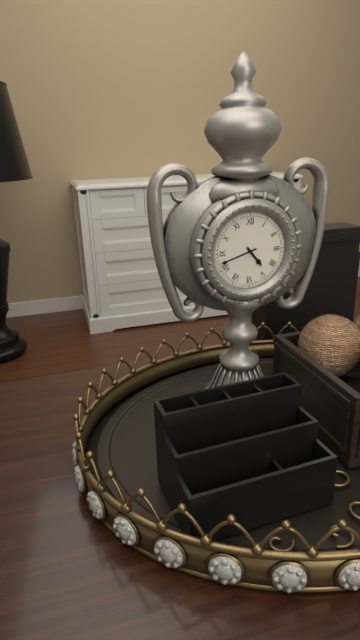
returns 4.42
